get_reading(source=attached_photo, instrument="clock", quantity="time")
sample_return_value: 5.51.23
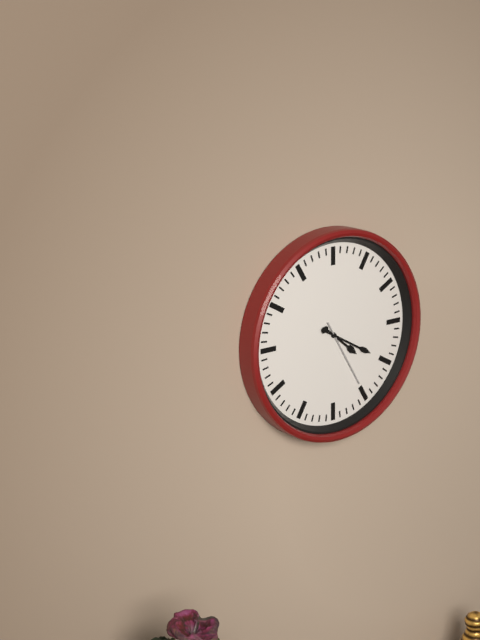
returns 4.20.25
